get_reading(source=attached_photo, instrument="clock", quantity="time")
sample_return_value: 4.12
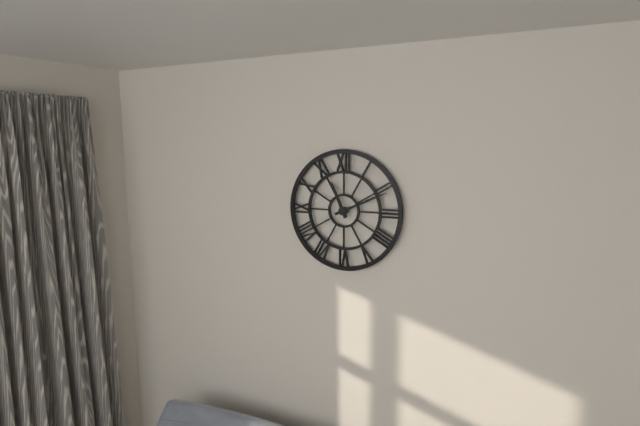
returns 11.11
